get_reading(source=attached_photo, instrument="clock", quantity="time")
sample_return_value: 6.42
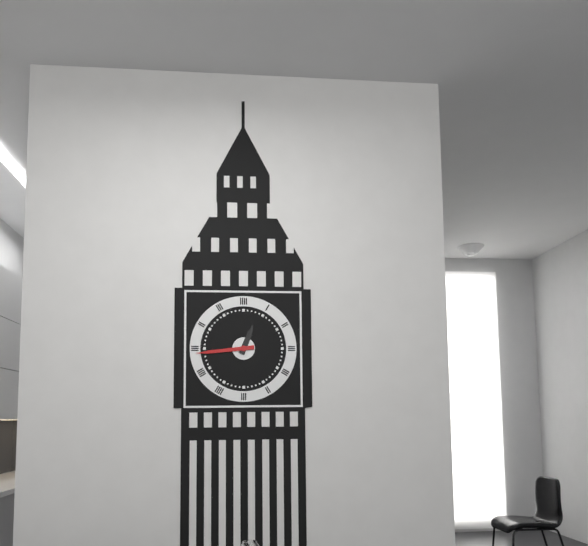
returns 12.44
